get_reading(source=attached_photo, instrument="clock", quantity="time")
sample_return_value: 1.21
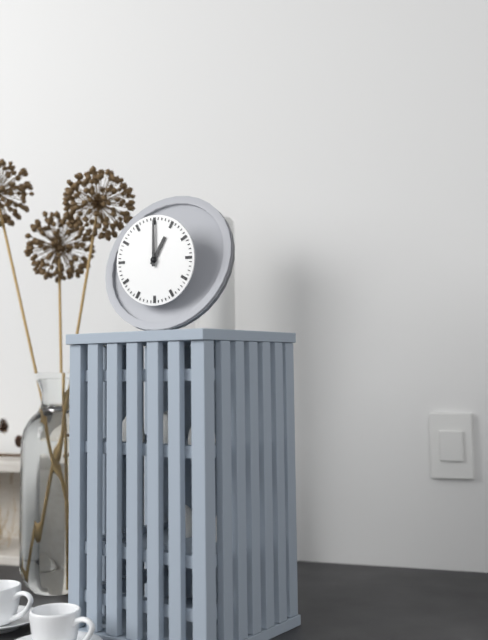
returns 1.00
